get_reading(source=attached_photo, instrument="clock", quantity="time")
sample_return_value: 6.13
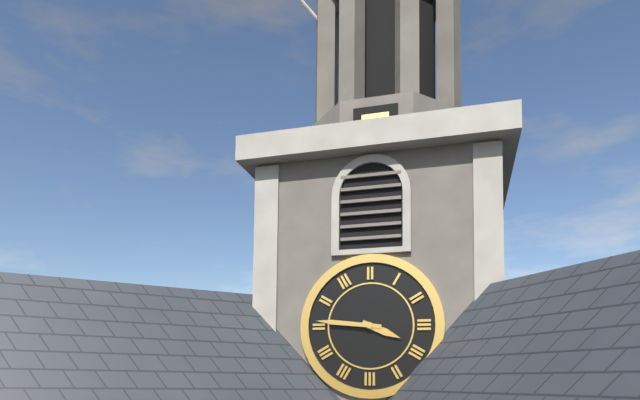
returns 3.46
